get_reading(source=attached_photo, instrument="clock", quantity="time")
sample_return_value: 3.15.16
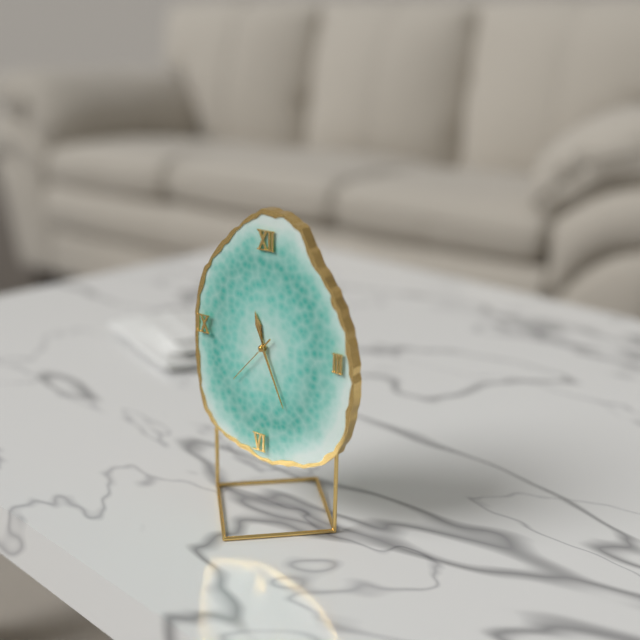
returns 11.26.37
